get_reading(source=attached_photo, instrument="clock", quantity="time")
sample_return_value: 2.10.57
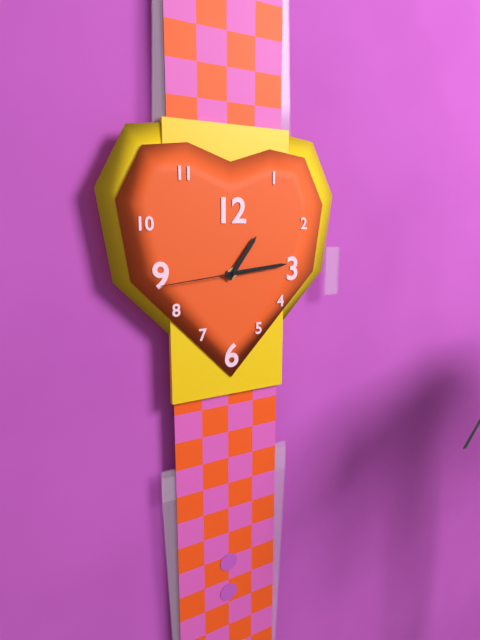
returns 1.14.44
